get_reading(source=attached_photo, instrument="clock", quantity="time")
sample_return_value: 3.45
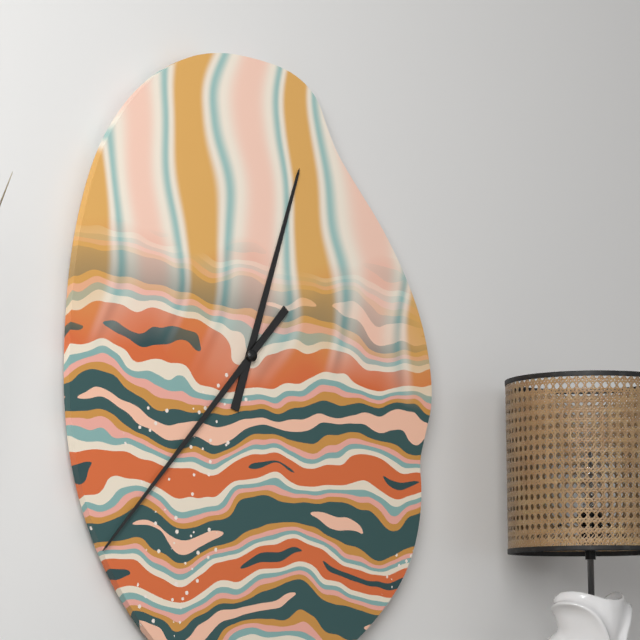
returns 12.37
